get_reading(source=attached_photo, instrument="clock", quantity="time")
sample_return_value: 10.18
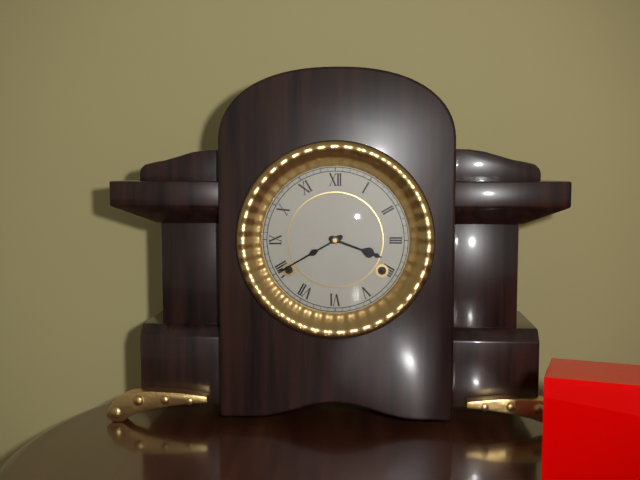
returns 3.40
